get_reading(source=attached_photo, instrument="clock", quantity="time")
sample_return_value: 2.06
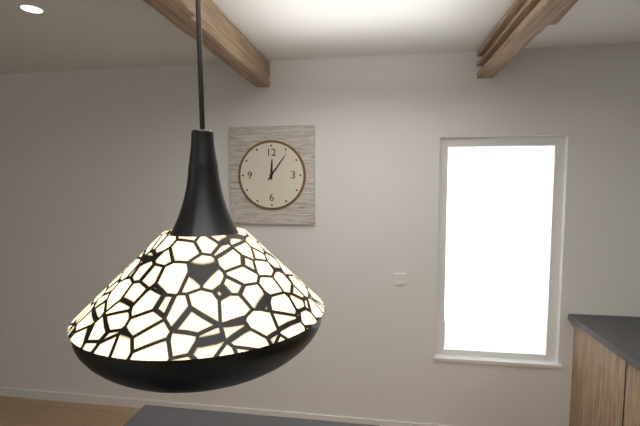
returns 12.06
